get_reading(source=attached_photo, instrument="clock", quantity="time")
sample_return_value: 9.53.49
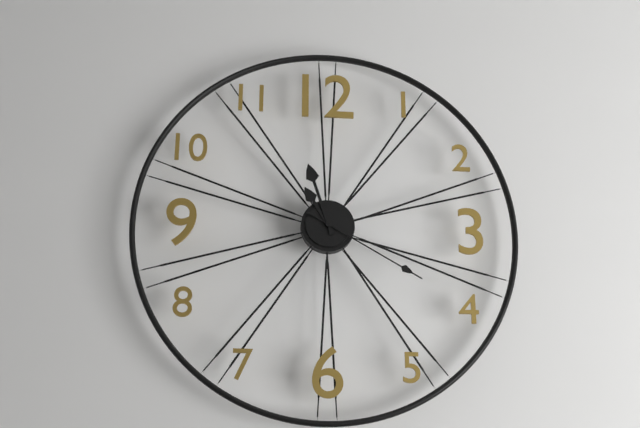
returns 10.57.20
